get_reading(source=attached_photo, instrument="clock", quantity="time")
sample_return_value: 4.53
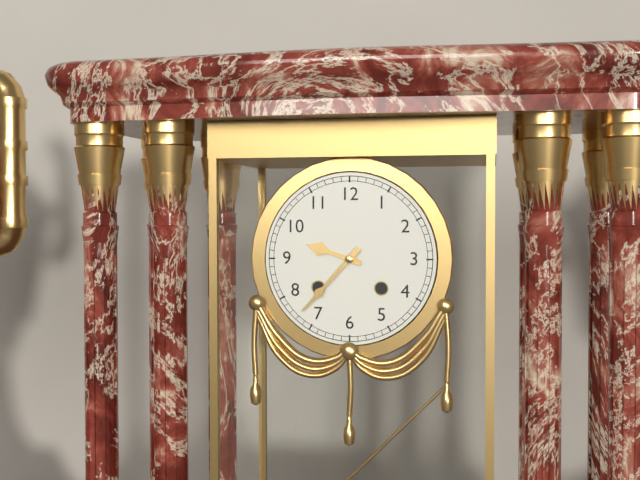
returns 9.37
